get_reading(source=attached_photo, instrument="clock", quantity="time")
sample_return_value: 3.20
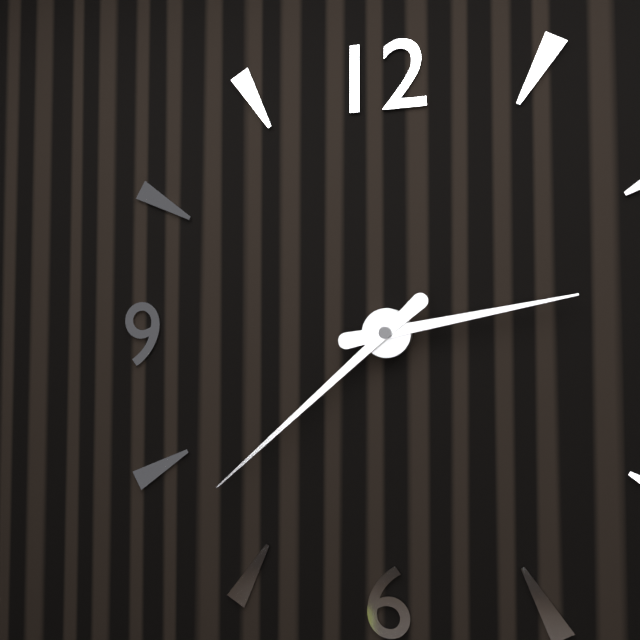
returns 2.38
